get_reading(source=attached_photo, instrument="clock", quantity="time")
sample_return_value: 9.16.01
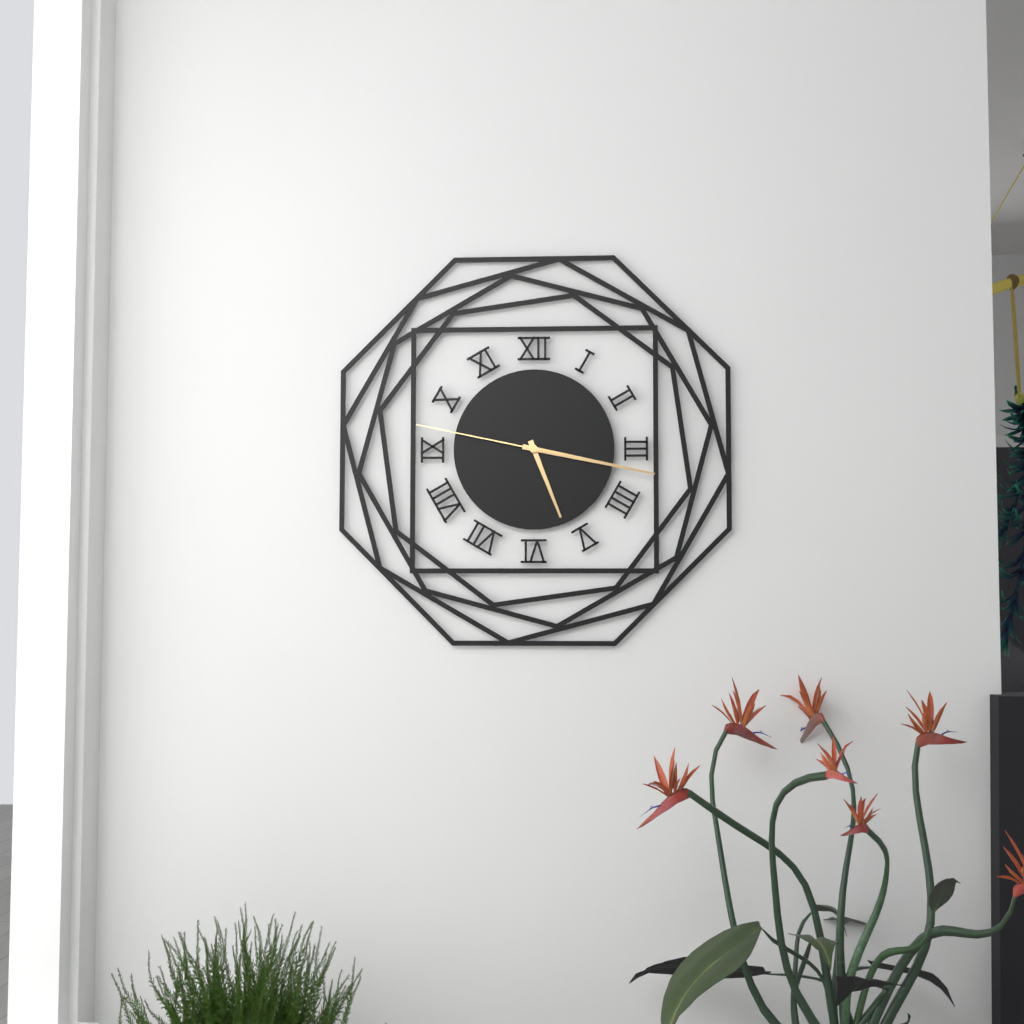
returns 5.17.47
